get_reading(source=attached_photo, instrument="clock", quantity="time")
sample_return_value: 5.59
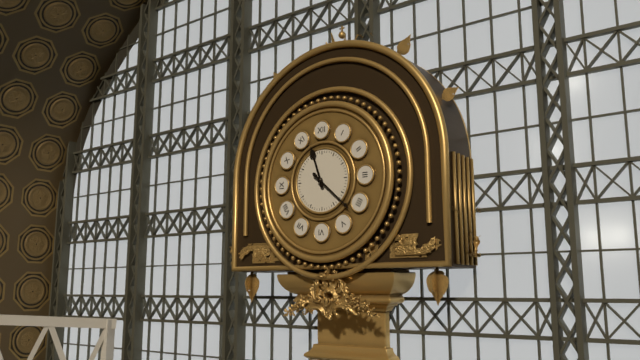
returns 11.22
